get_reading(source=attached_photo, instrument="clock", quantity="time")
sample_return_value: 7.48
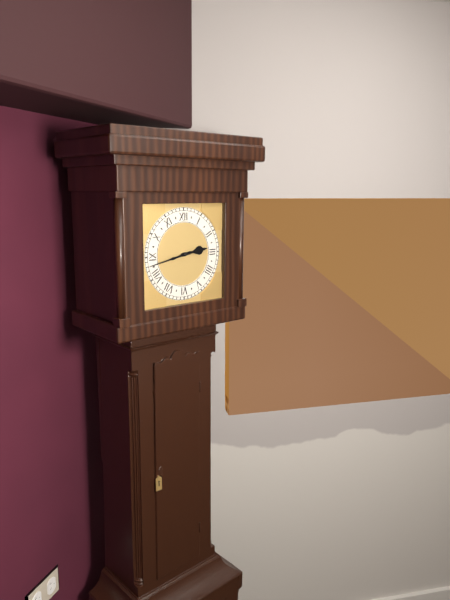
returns 2.43
